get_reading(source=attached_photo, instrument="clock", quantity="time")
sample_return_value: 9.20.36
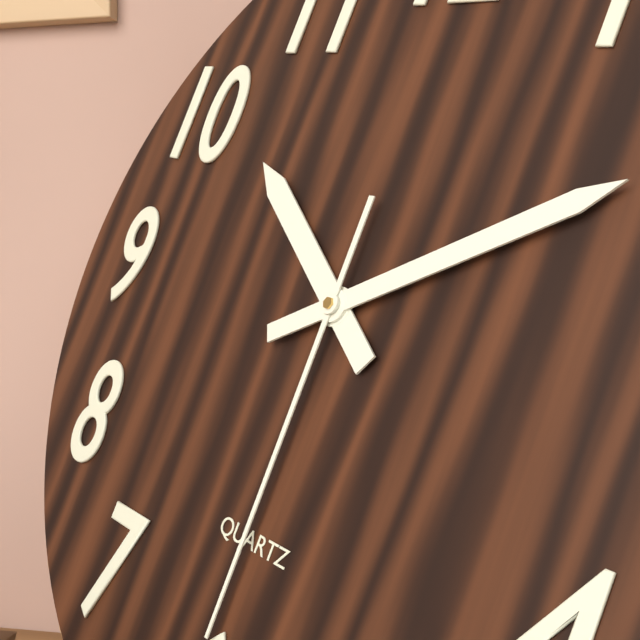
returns 10.10.30
